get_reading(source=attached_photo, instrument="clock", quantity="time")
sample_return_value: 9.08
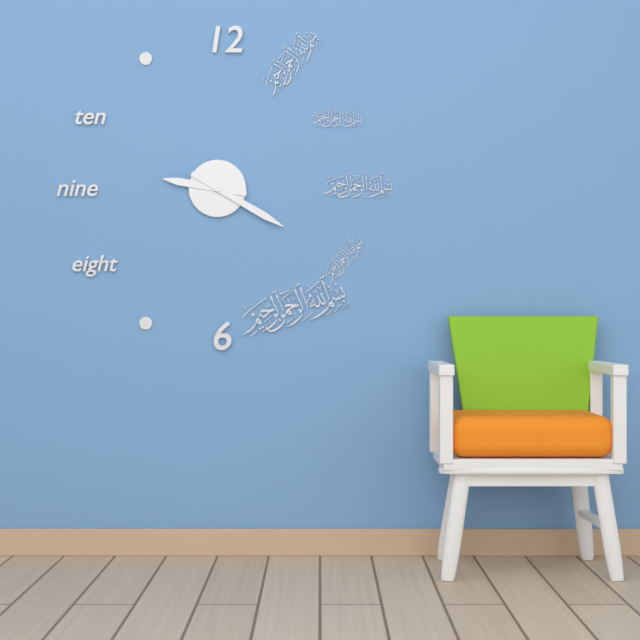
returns 9.20
